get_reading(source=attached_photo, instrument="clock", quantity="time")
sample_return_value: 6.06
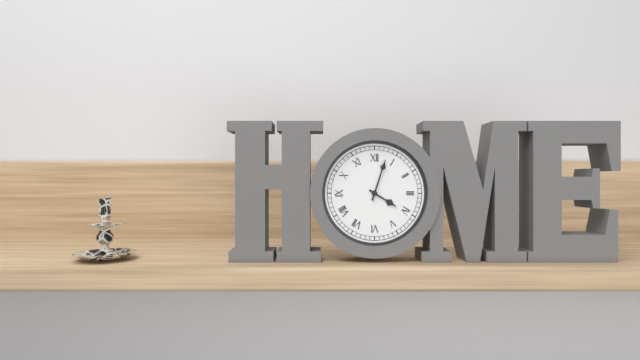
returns 4.03
